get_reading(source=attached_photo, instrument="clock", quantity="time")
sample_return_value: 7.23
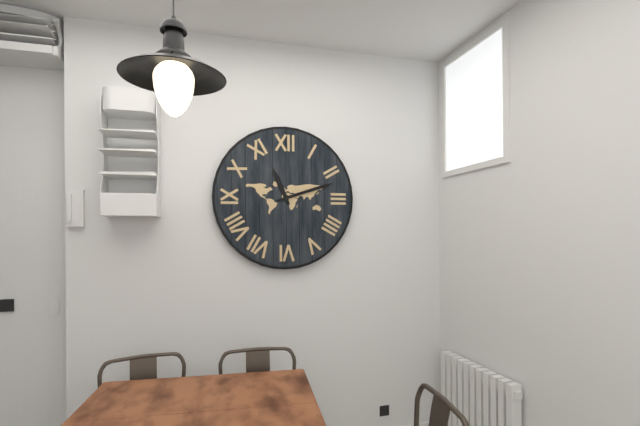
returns 11.12
